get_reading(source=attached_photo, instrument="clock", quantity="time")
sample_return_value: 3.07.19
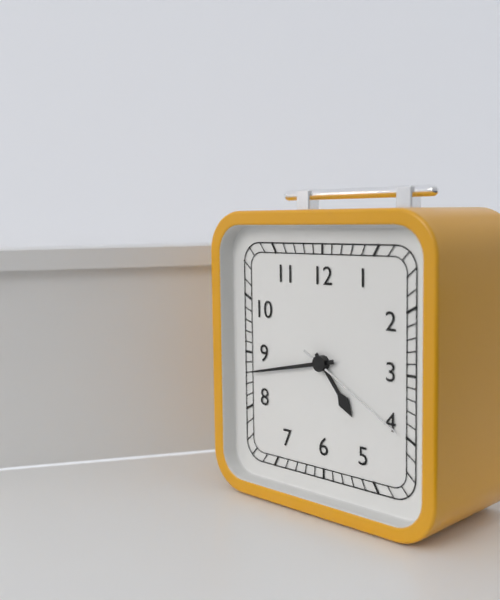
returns 4.43.20
